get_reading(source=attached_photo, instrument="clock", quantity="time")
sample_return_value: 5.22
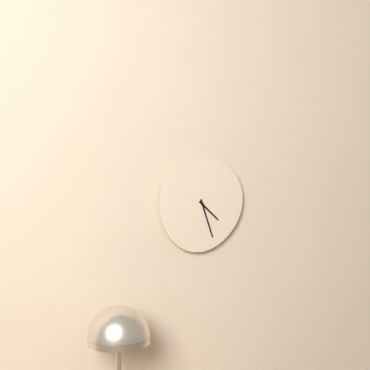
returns 4.27
